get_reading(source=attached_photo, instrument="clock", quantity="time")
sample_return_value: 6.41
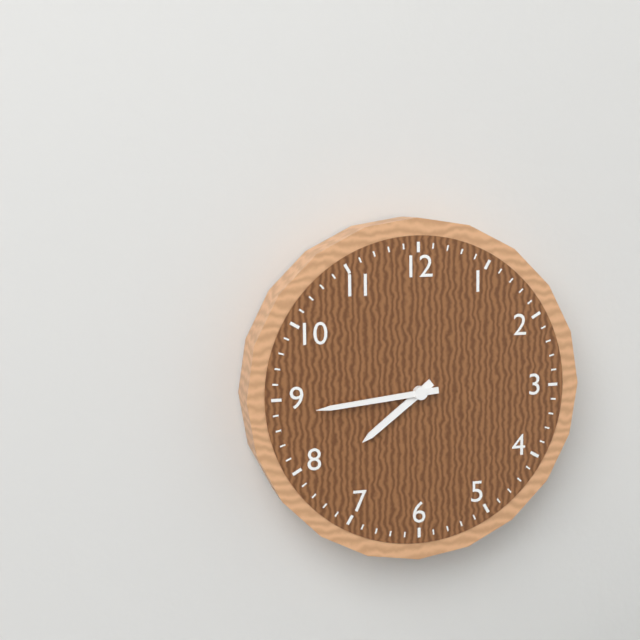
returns 7.44
